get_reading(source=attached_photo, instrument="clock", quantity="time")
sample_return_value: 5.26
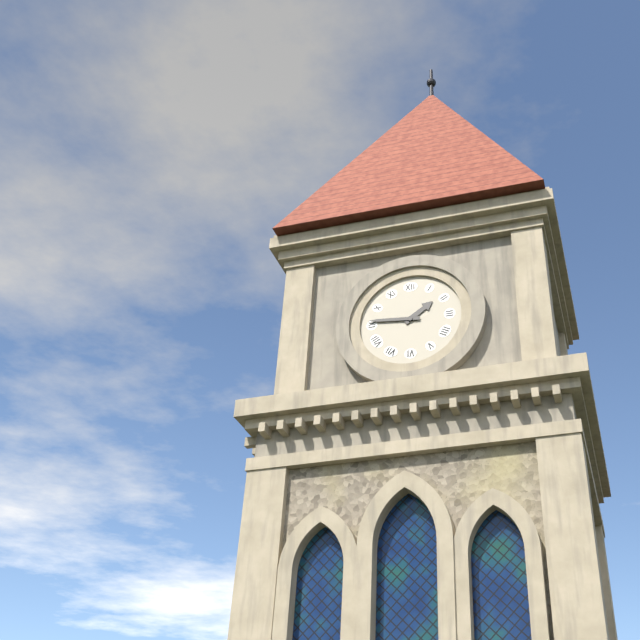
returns 1.46
